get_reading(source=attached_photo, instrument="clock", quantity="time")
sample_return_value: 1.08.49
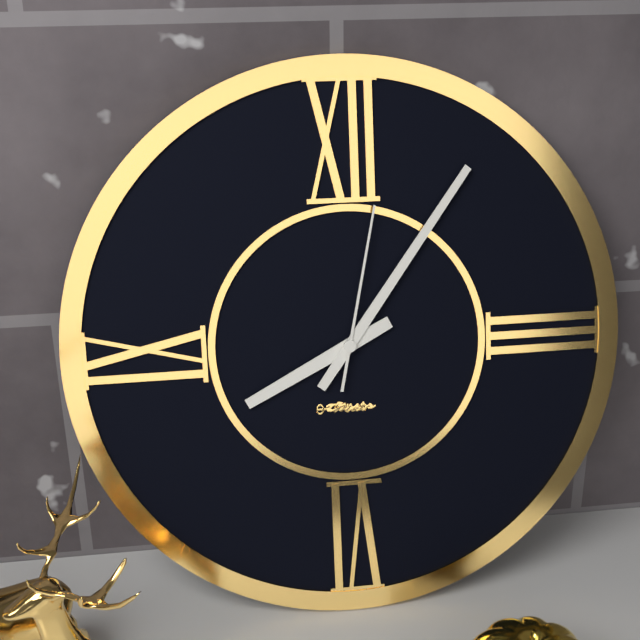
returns 8.06.02
